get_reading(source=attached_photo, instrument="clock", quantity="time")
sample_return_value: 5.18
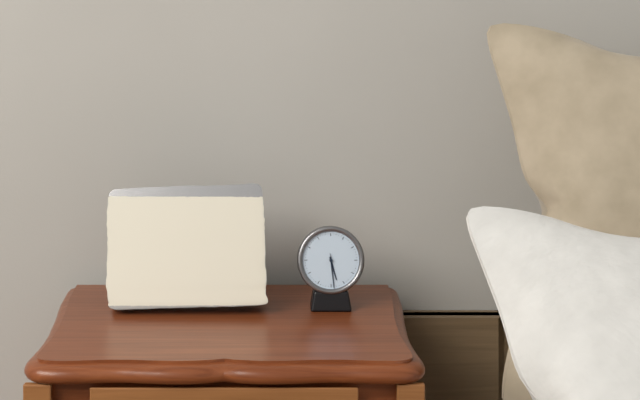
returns 5.29
